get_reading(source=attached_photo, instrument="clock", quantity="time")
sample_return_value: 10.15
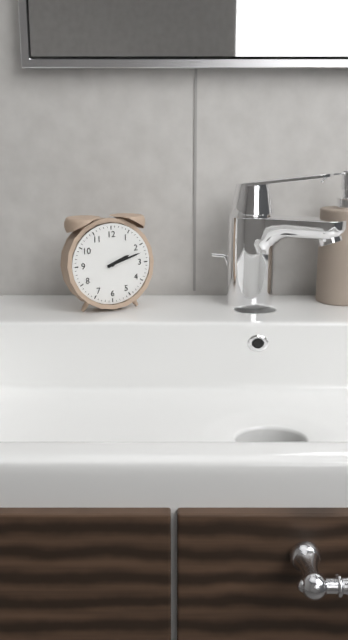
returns 2.12
